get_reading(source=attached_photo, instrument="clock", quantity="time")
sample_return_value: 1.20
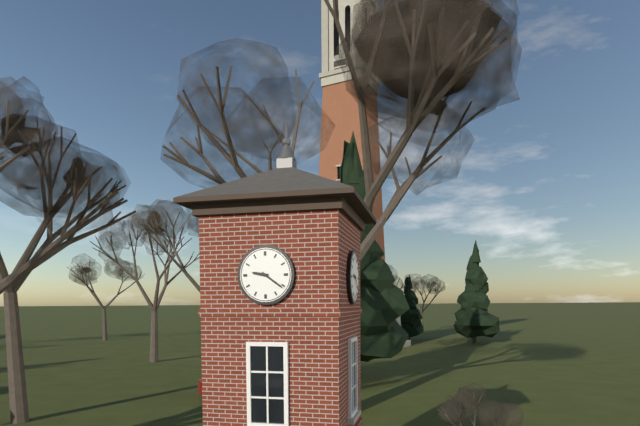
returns 9.21
